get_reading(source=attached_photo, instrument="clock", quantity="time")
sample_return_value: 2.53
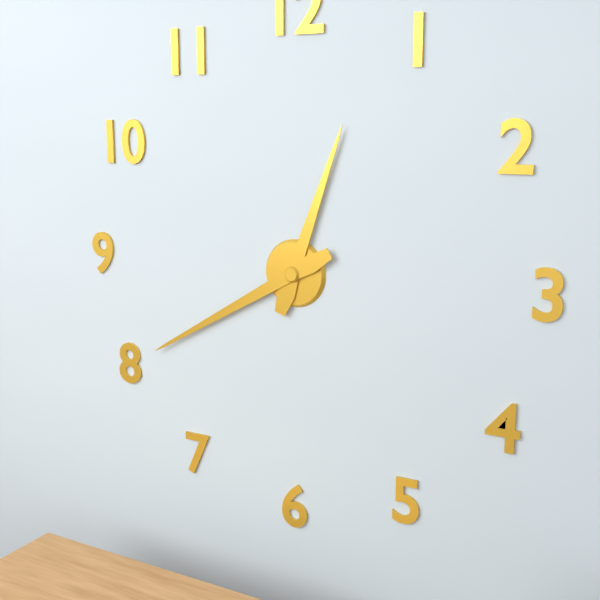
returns 12.40
